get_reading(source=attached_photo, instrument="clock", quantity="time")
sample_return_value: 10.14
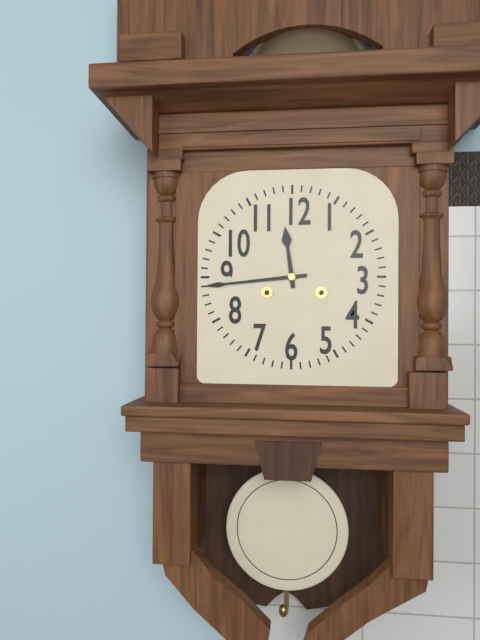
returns 11.44
